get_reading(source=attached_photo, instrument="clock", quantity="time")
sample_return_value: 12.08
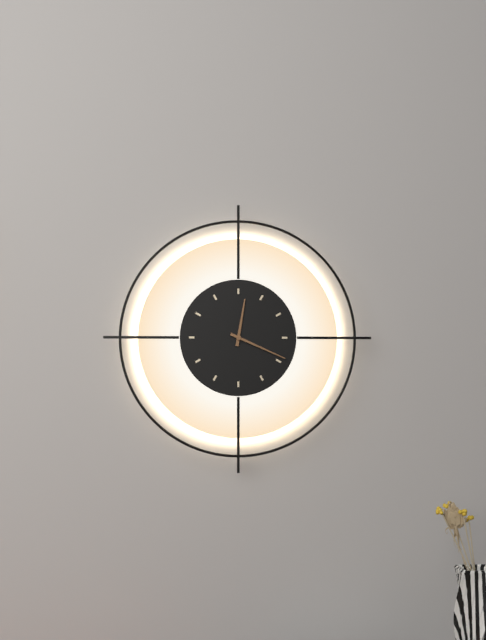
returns 12.19
